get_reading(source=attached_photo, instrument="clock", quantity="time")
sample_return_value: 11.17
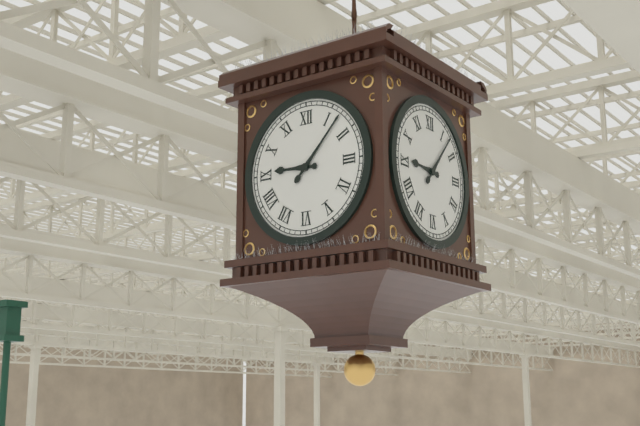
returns 9.07
